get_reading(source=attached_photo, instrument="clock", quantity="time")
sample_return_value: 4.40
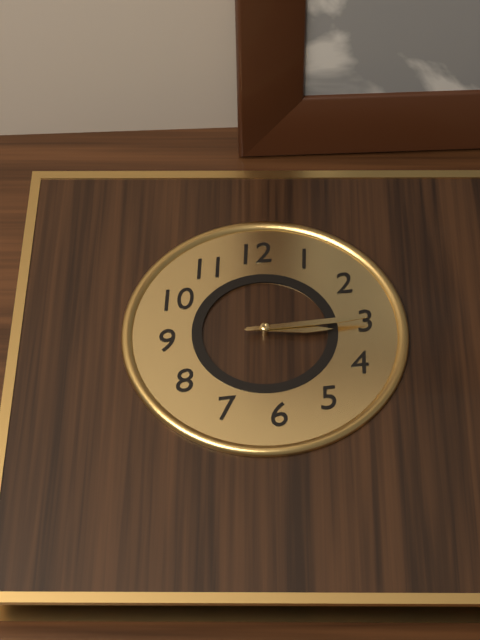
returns 3.15
